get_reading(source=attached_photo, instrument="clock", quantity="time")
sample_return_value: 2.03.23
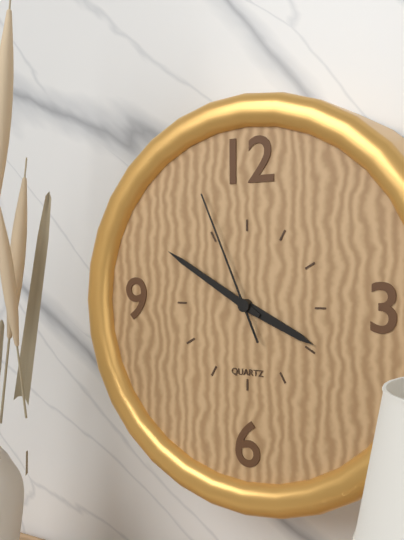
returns 3.50.56
